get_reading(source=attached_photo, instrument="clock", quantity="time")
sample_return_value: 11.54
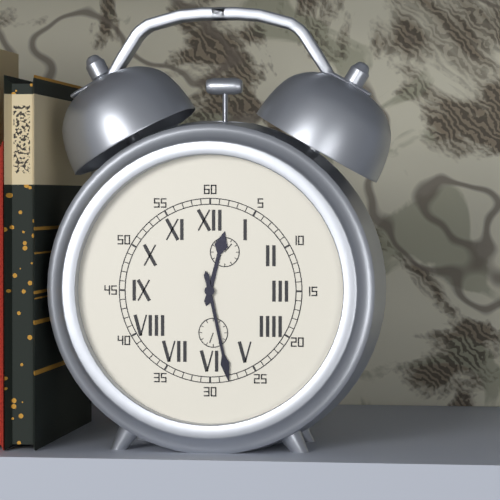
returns 12.28
